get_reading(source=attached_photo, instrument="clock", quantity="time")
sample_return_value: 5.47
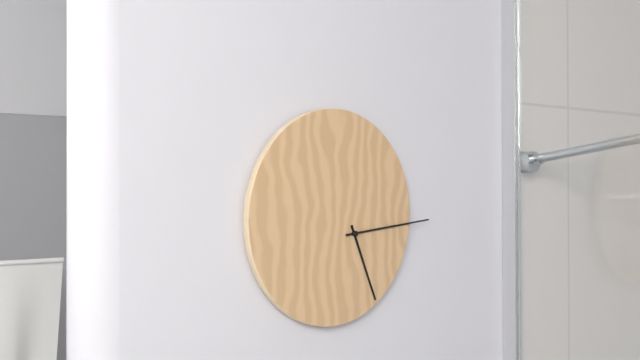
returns 5.14
